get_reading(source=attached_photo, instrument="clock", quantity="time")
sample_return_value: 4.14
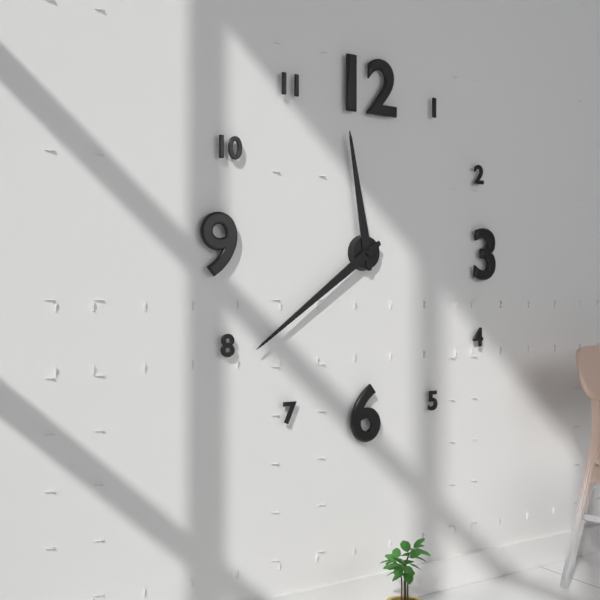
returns 11.39
